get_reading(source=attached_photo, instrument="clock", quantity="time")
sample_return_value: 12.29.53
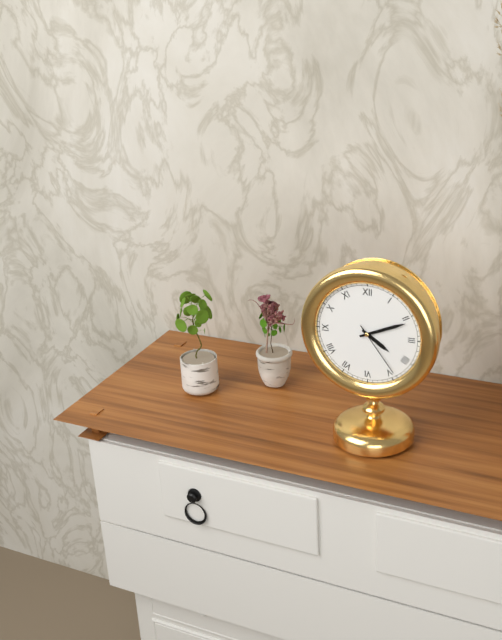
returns 4.11.24
